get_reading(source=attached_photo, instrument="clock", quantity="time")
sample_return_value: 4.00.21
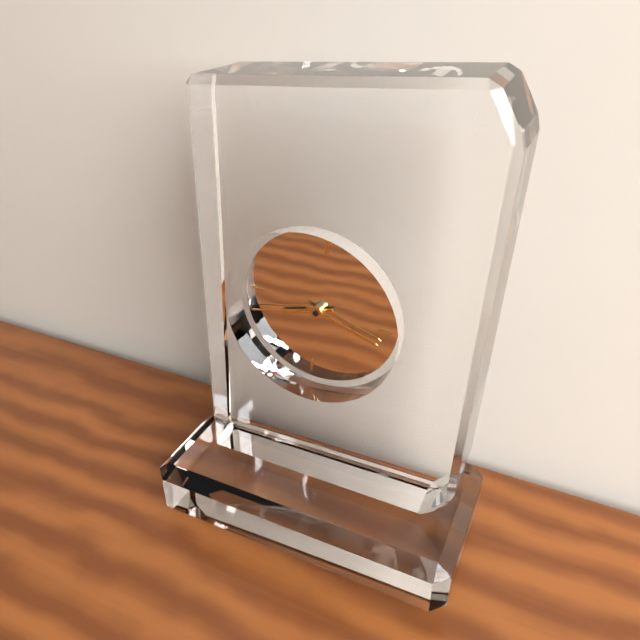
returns 8.17.42
